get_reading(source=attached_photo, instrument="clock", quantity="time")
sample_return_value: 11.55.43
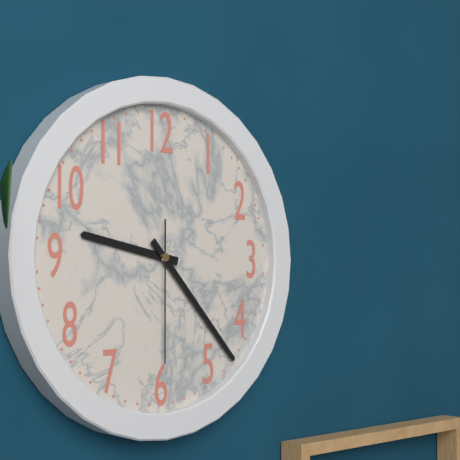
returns 9.23.30
